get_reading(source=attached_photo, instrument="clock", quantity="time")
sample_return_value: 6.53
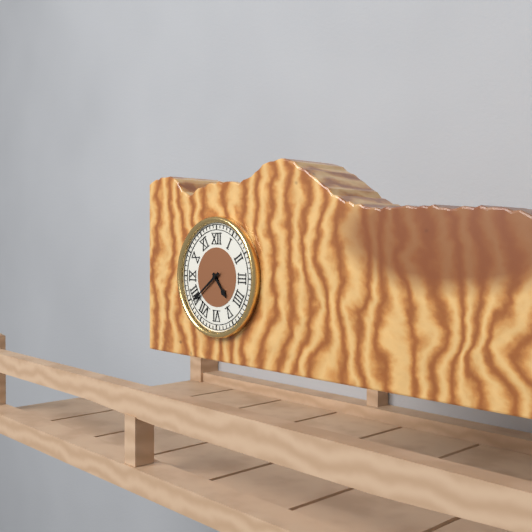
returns 4.39
